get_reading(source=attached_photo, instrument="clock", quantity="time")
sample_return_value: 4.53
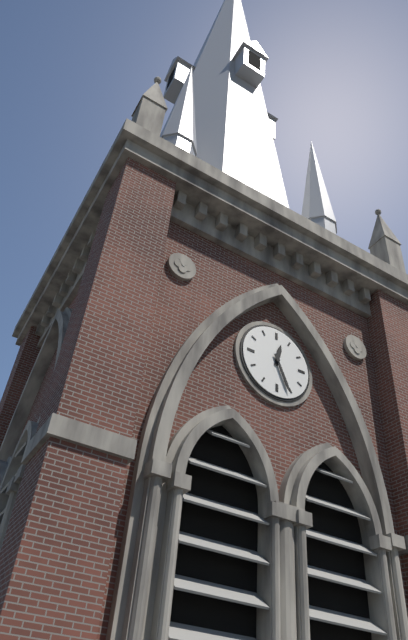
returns 12.26
